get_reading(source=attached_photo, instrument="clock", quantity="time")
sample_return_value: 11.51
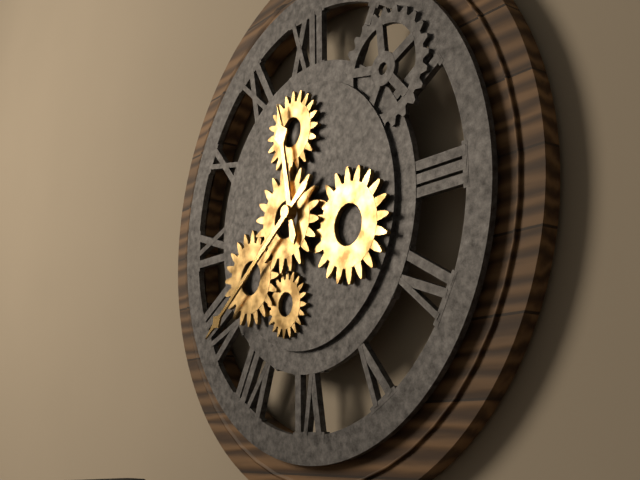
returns 11.39
